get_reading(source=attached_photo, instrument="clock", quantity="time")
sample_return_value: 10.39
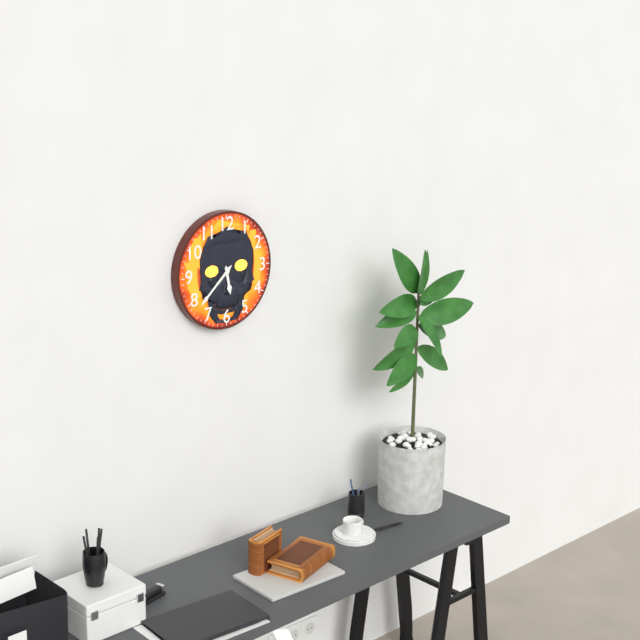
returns 5.38
